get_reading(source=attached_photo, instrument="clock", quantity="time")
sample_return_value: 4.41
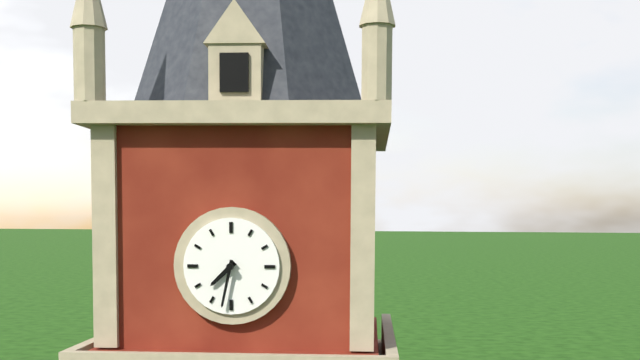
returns 7.32
